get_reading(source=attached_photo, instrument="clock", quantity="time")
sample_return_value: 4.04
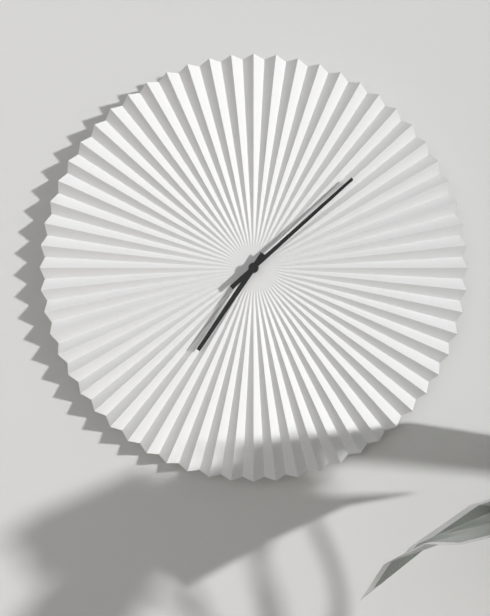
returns 7.08
